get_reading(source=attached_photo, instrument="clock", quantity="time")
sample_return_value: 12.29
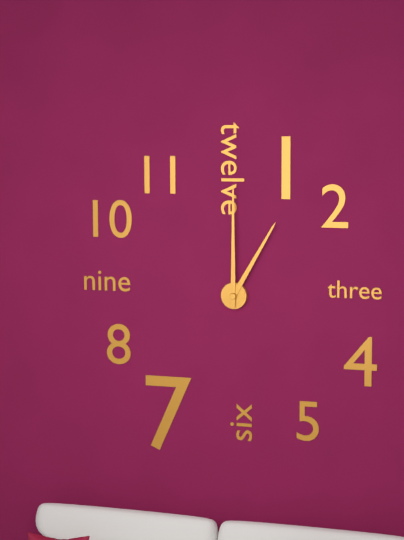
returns 1.00
